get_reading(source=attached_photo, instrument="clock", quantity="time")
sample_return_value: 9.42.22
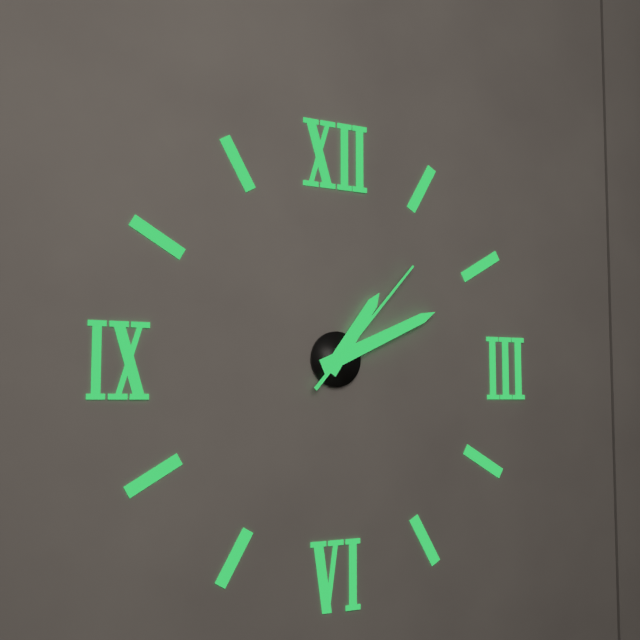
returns 1.11.07
